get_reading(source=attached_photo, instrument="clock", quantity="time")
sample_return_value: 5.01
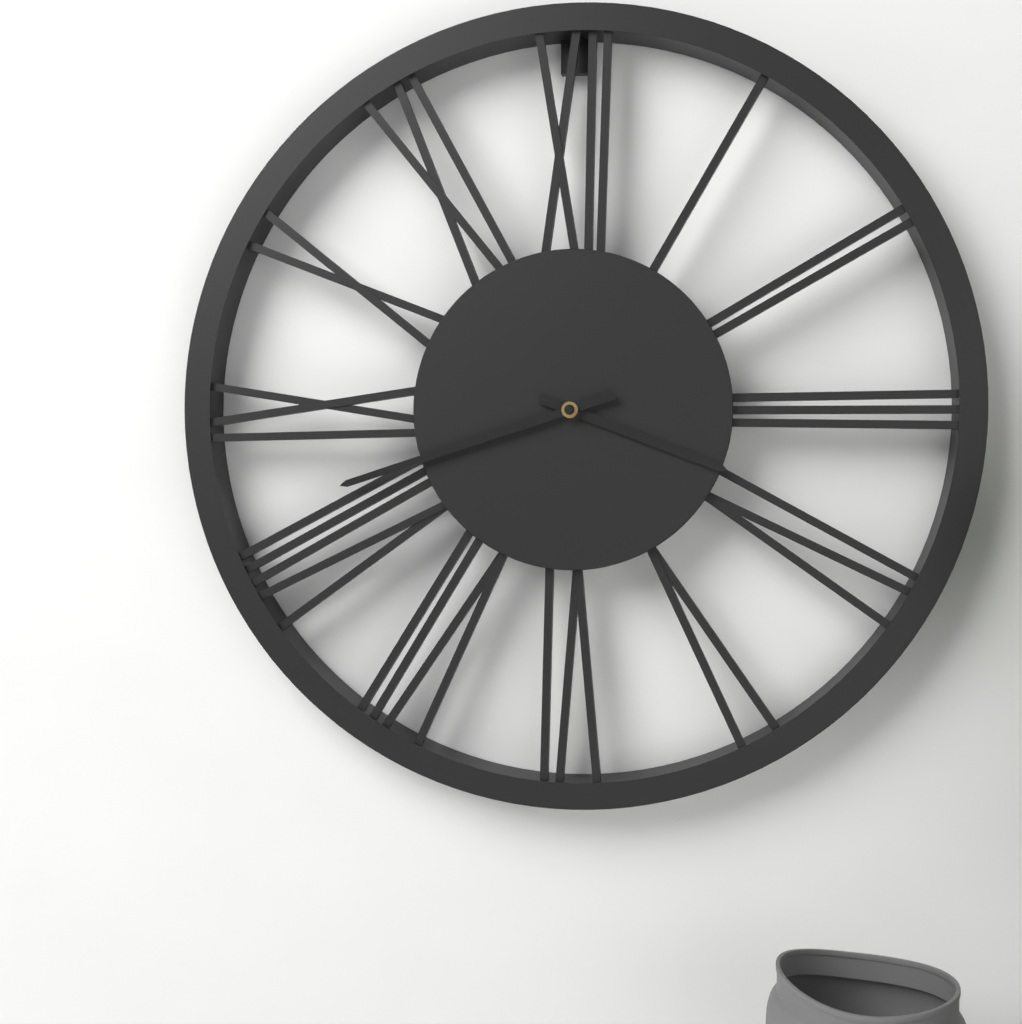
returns 3.42
